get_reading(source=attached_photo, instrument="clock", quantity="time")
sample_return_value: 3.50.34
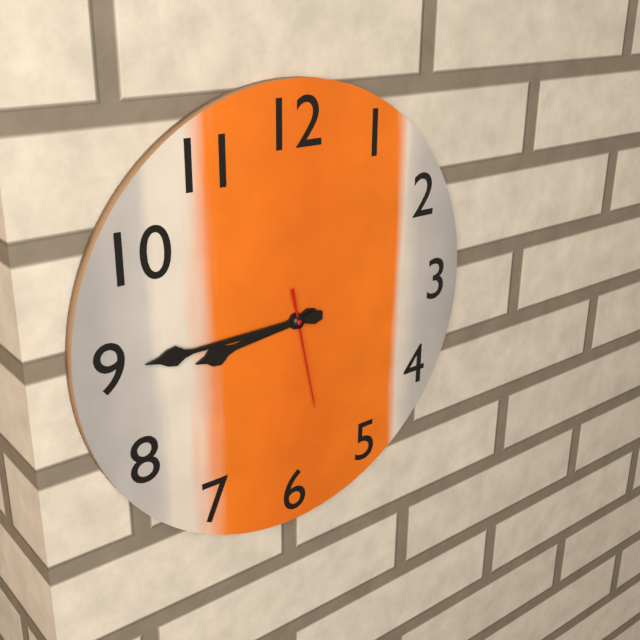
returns 8.45.28
